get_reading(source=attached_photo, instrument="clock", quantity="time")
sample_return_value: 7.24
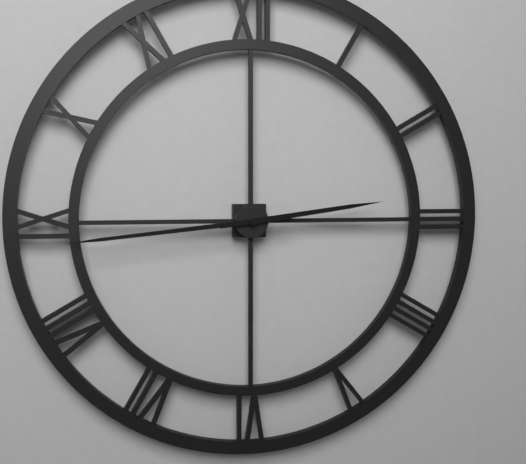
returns 2.44
